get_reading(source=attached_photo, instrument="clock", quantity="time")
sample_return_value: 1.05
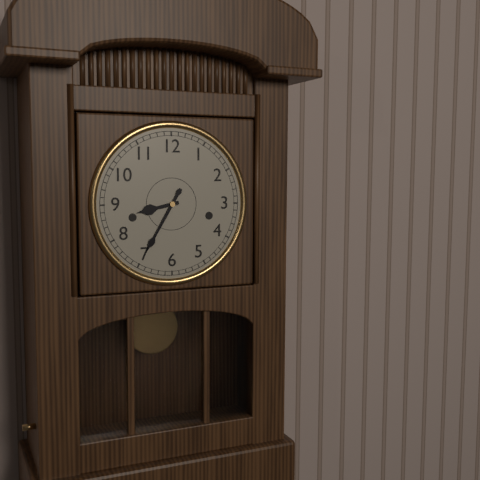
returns 8.35
